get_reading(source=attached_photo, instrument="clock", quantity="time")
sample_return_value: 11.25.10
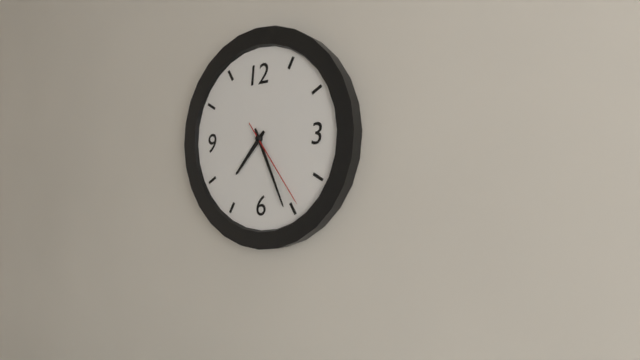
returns 7.26.24
